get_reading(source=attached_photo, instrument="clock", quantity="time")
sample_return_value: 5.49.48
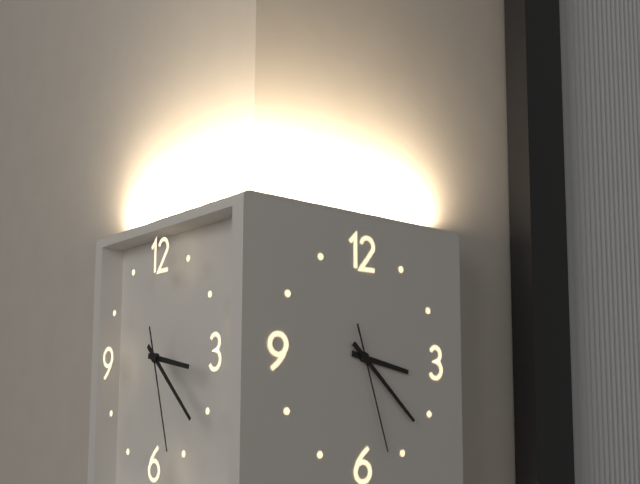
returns 3.22.27
